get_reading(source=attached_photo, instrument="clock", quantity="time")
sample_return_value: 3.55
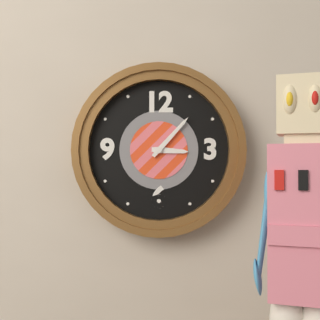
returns 3.07
